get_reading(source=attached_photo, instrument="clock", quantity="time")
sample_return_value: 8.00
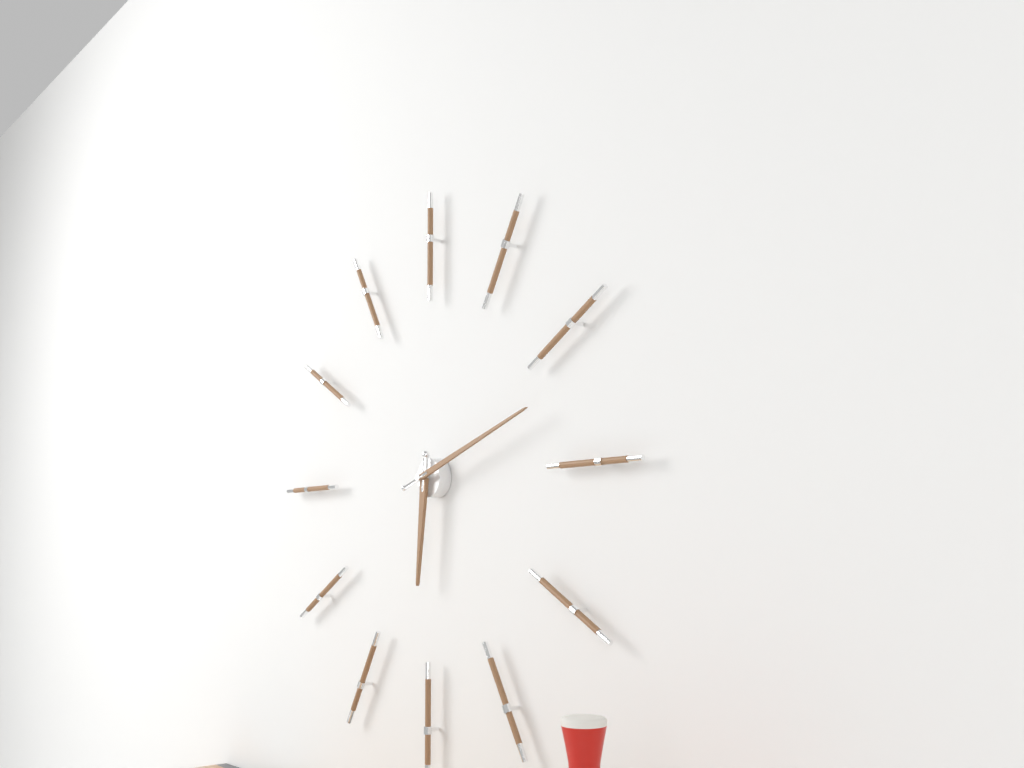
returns 6.12
